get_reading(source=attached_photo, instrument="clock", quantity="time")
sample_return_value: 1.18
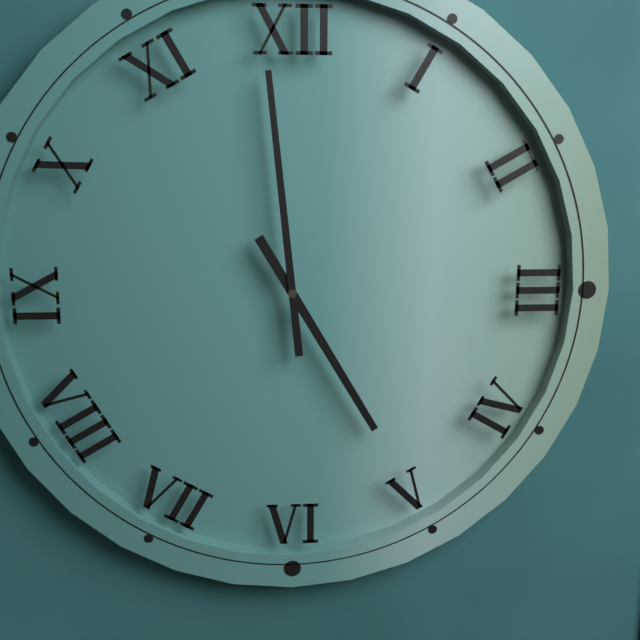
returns 4.59
